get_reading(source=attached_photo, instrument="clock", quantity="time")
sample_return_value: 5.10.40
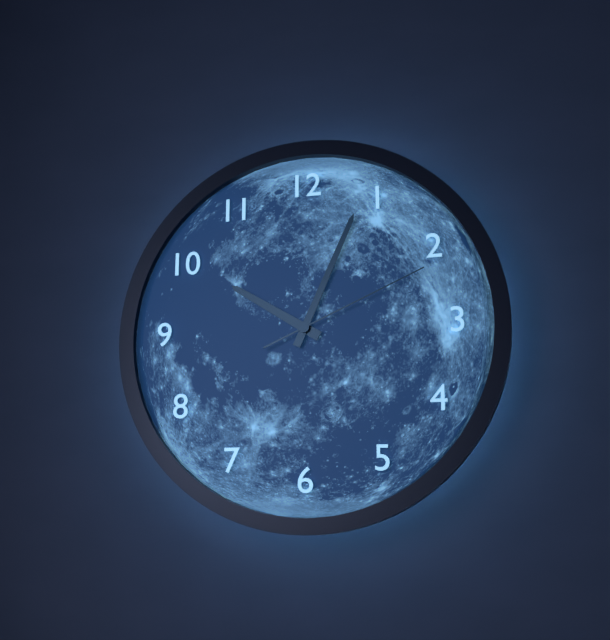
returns 10.04.11
